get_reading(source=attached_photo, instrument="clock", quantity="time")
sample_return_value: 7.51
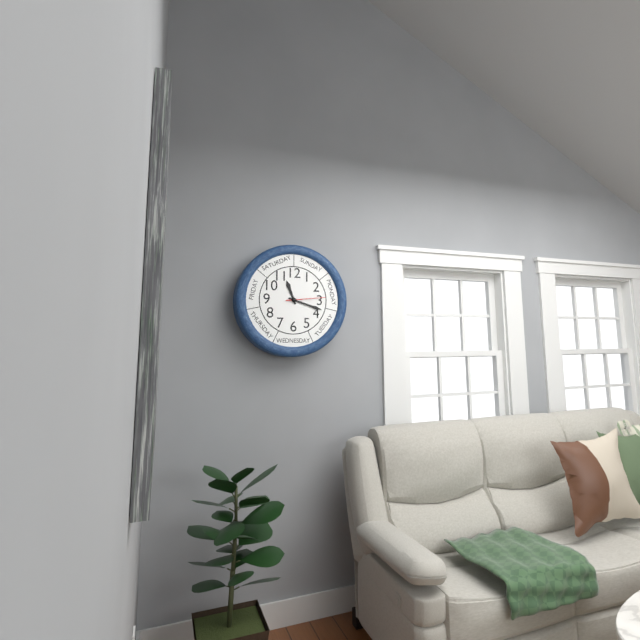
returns 11.18
